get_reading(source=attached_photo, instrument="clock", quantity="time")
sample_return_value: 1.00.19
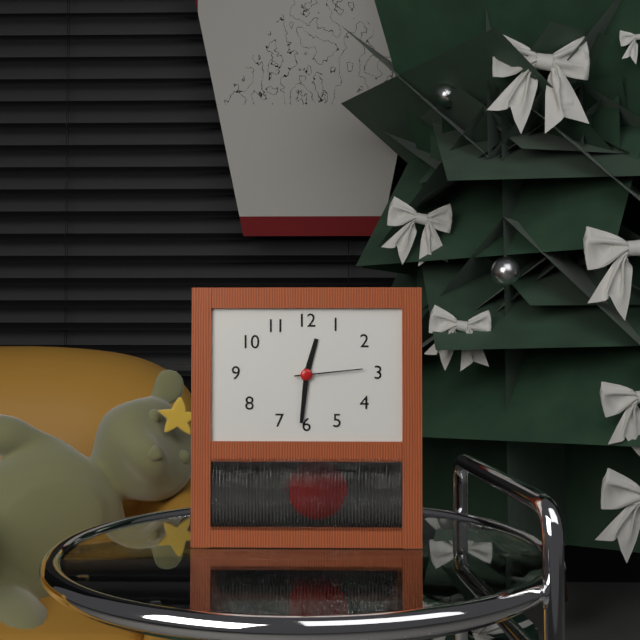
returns 12.31.14
